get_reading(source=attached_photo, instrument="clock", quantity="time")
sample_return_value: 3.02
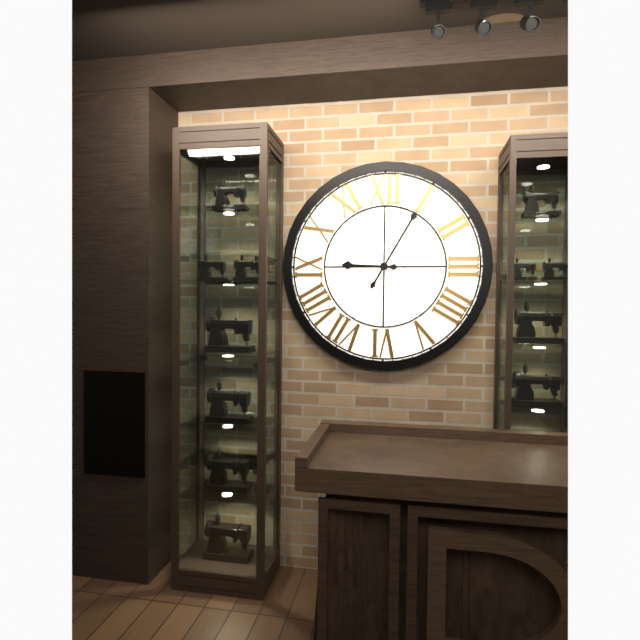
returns 9.05
